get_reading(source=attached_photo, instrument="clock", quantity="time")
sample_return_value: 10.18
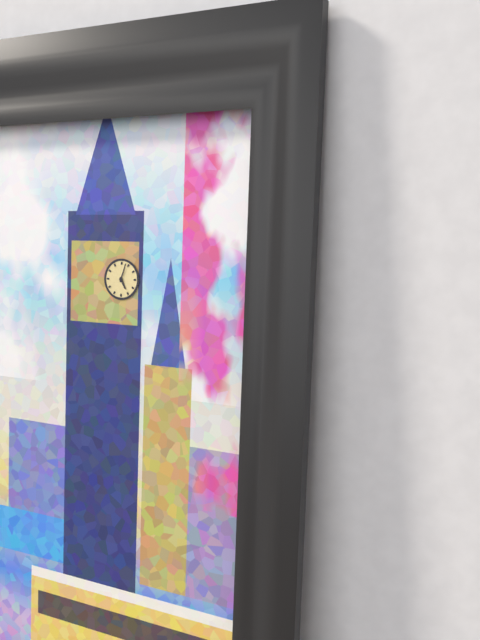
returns 5.03
